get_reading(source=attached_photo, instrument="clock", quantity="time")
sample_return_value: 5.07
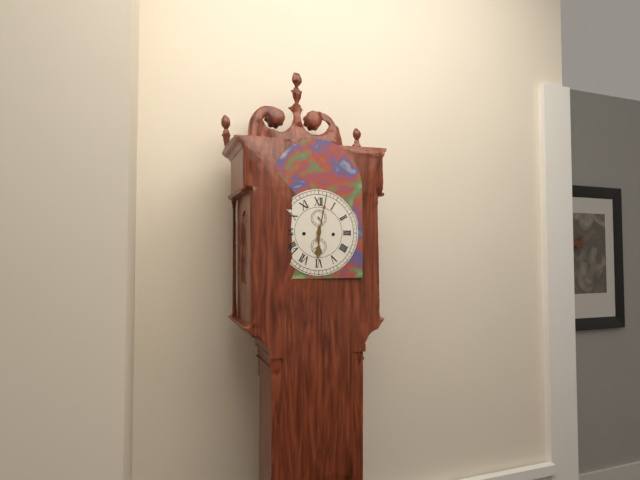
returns 6.02
